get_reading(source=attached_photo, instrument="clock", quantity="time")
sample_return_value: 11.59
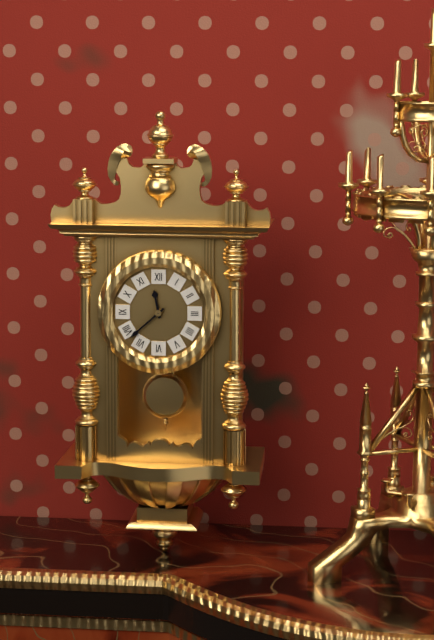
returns 11.38
